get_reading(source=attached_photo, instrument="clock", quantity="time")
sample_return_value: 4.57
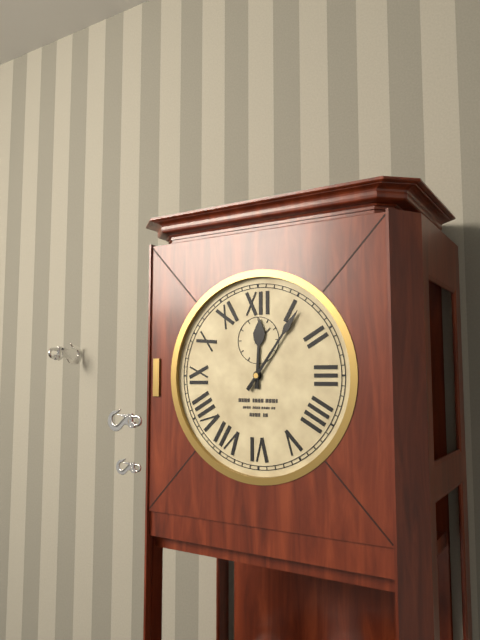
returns 12.06
